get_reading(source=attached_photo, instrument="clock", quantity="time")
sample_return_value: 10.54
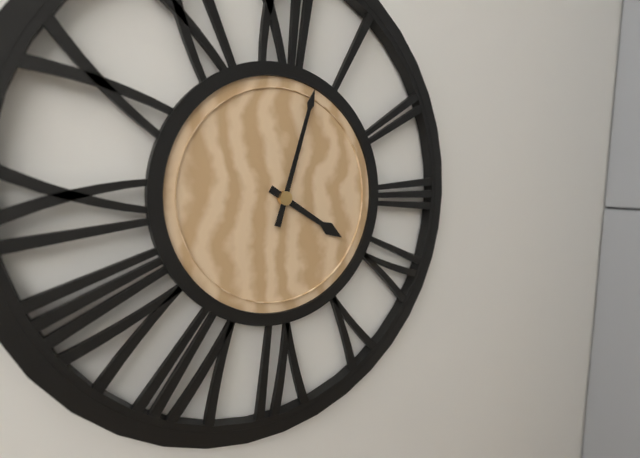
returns 4.03
